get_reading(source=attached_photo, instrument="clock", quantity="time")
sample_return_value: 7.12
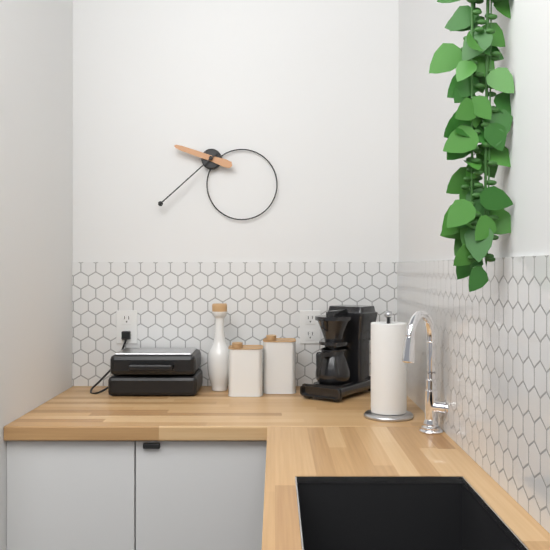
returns 9.38
